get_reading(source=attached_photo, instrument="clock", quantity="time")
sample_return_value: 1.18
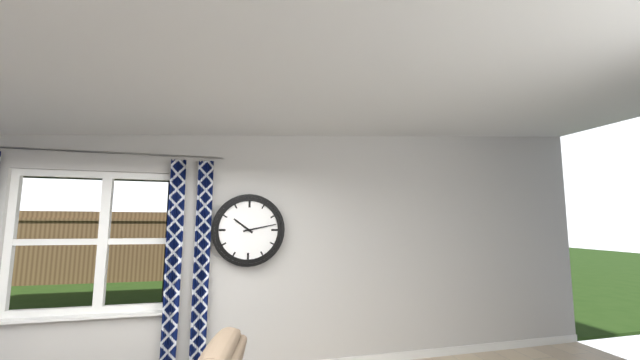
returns 10.13
